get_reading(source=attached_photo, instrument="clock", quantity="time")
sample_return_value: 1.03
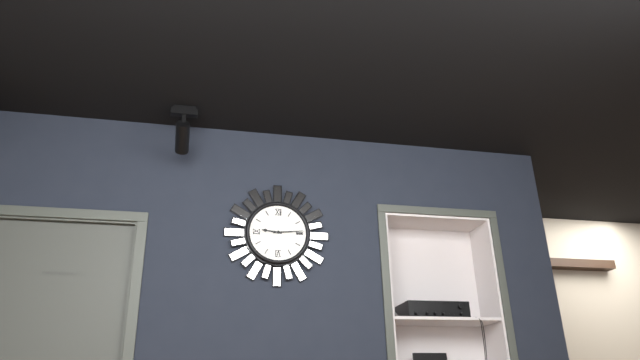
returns 9.14
